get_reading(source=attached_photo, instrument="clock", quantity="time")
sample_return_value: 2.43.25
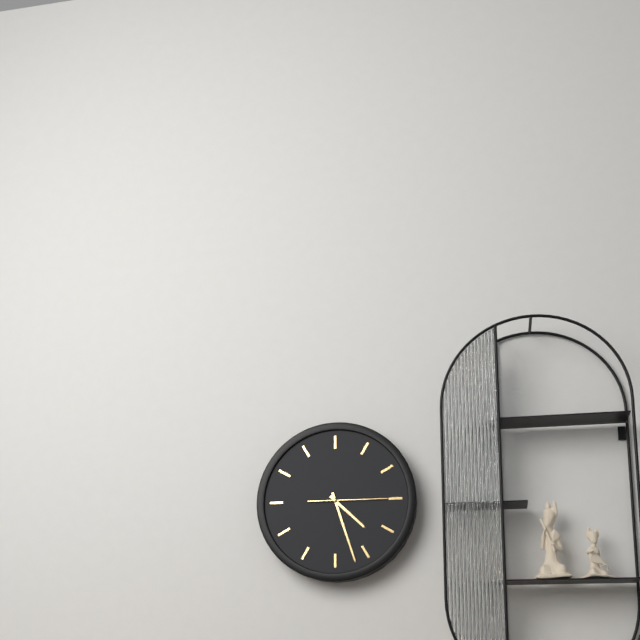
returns 4.27.15
